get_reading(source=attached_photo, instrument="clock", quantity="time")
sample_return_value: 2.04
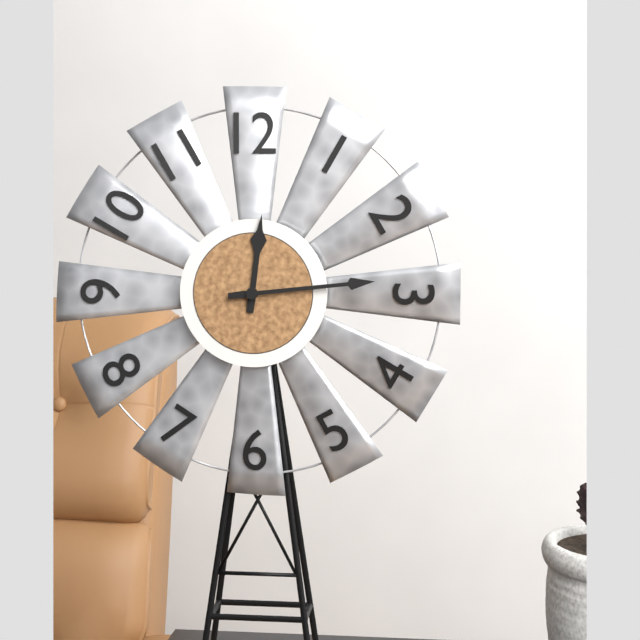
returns 12.14
